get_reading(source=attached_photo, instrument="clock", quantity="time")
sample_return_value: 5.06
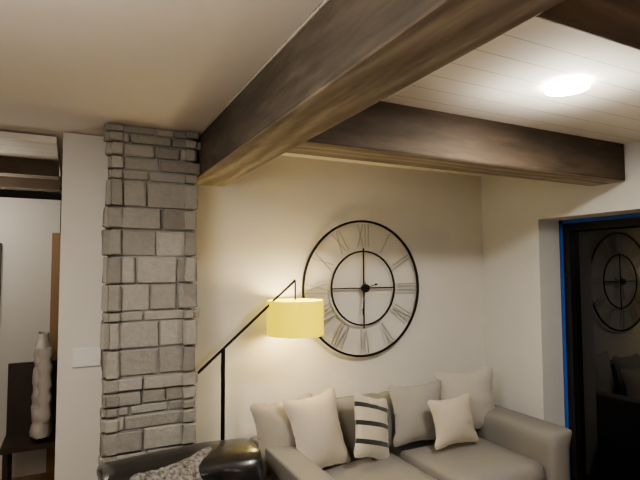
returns 2.31
